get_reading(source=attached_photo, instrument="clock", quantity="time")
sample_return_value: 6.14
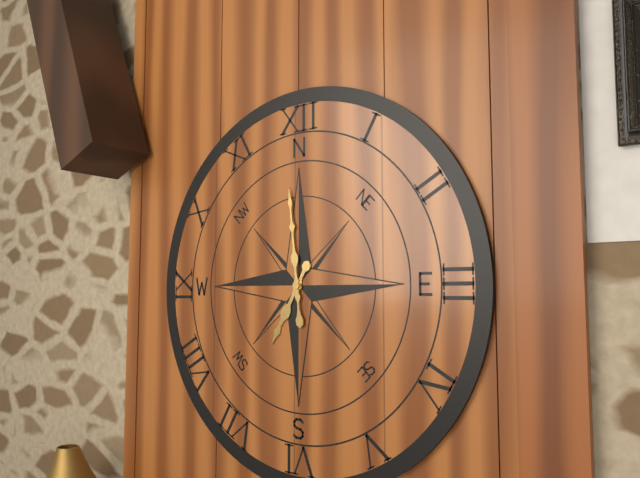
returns 6.59
